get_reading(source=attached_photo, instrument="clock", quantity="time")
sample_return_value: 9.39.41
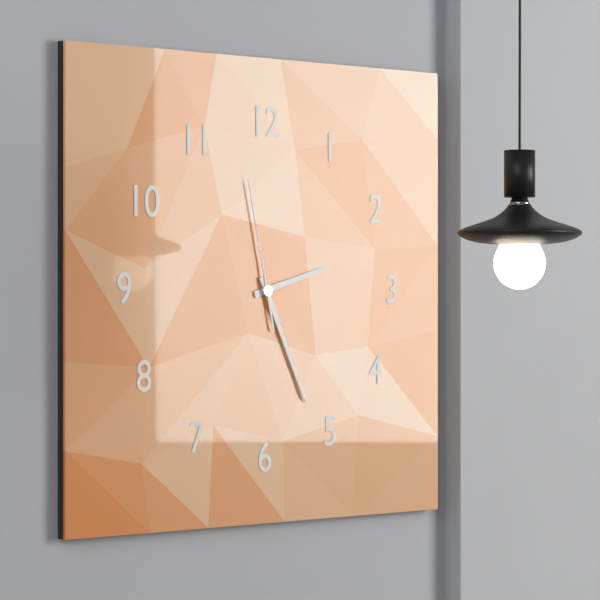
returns 2.26.58
